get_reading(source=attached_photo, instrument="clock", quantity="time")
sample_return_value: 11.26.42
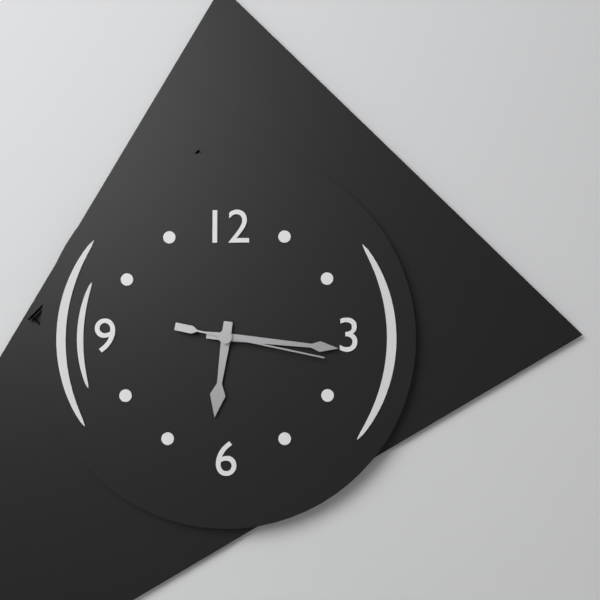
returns 6.16.17
